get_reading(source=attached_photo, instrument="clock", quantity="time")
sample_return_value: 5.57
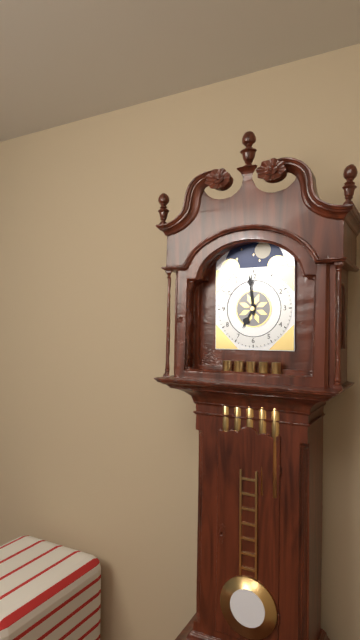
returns 6.59
